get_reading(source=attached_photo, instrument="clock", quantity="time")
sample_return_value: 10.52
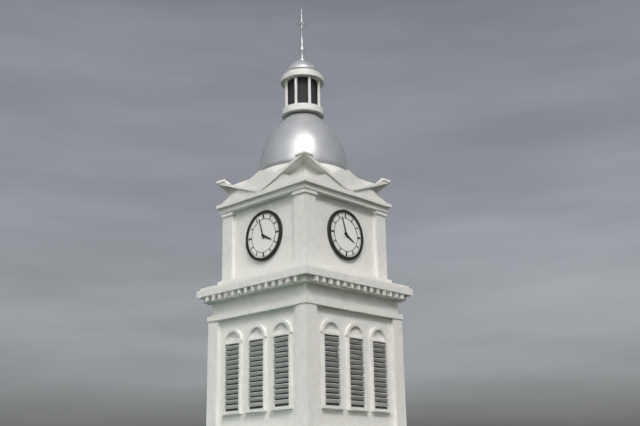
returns 3.57
